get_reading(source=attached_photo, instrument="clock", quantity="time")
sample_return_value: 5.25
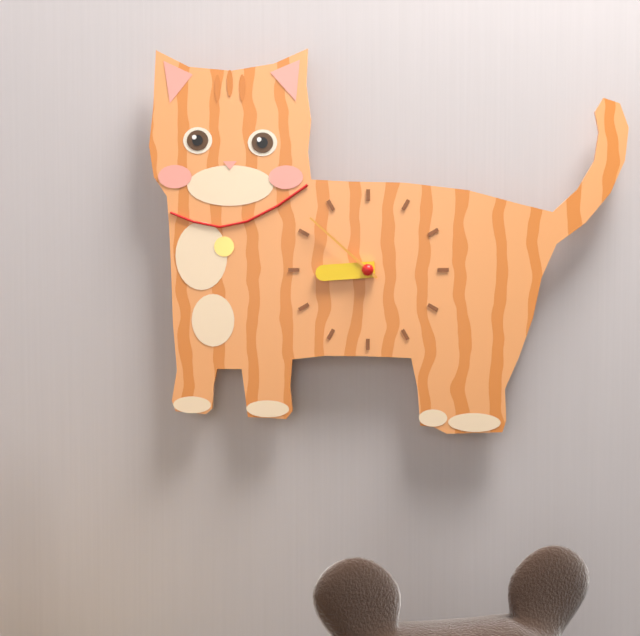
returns 8.52
